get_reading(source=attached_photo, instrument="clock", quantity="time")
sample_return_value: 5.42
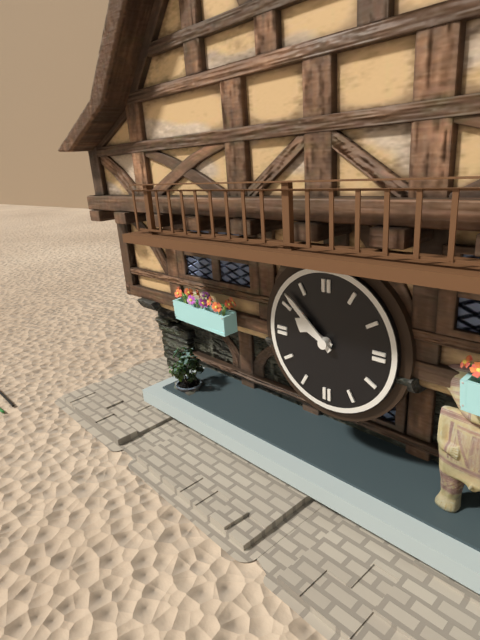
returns 9.52
